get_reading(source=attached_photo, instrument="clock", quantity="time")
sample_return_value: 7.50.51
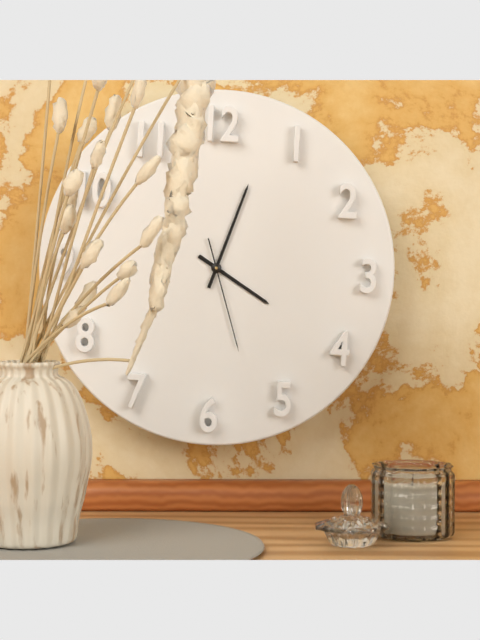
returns 4.03.27
